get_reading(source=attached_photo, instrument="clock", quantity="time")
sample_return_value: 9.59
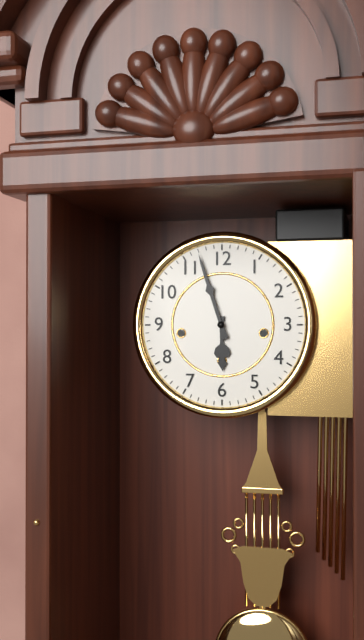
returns 5.57
